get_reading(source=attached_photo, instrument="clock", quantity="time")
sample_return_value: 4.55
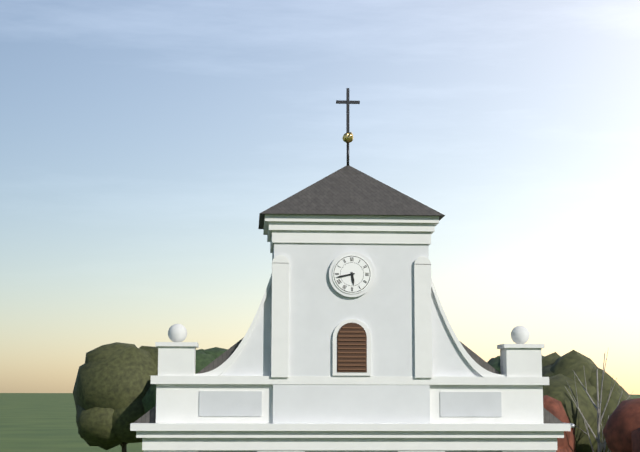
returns 5.43
